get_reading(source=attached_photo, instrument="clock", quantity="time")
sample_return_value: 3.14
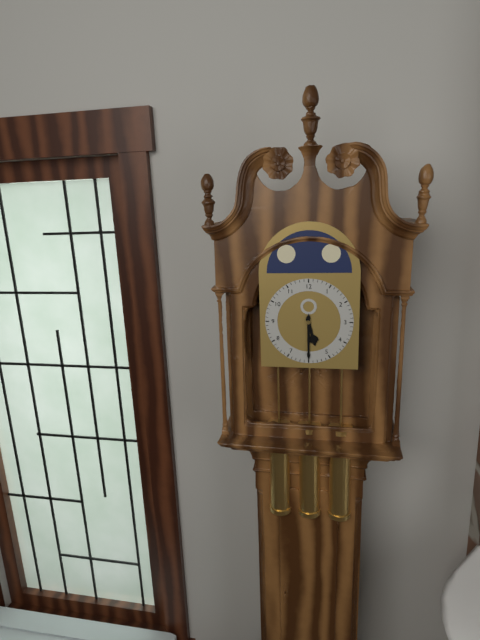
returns 5.30
